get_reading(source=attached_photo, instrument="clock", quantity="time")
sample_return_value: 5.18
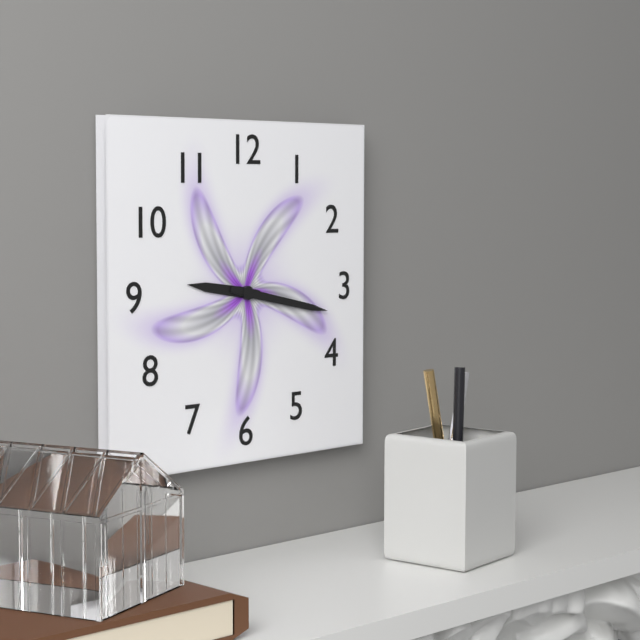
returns 9.17
